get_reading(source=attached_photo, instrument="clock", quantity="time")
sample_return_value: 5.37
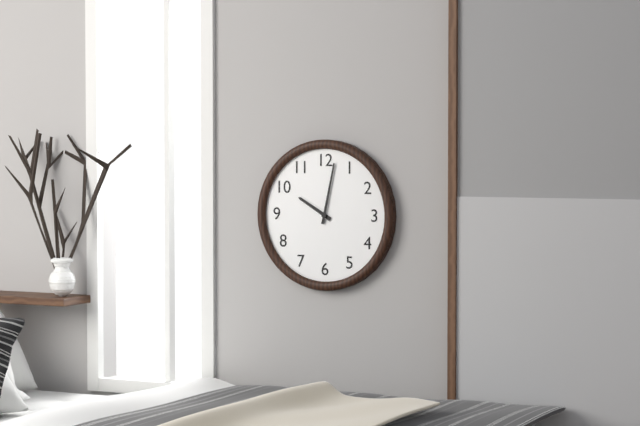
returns 10.02
